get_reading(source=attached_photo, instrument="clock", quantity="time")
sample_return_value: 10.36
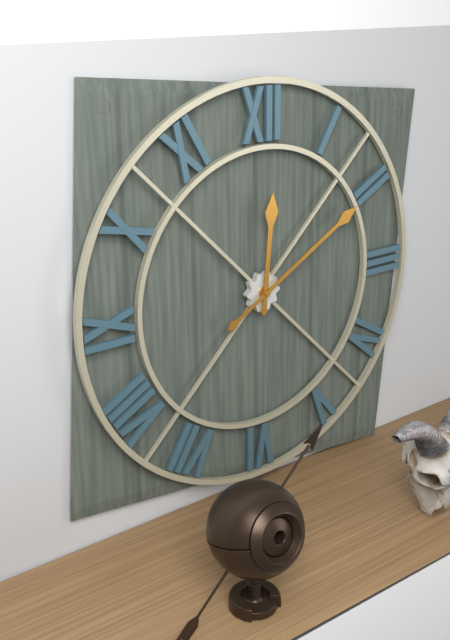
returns 12.10
